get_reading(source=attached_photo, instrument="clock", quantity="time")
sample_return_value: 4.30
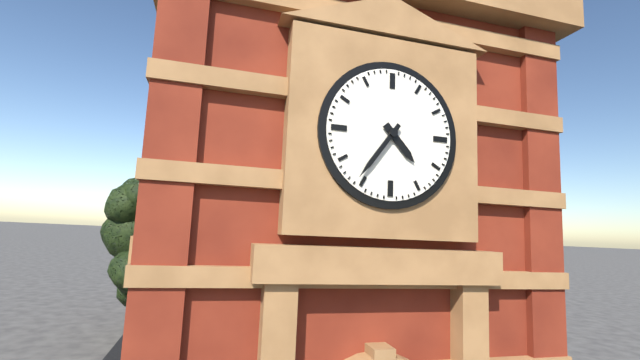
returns 4.36
